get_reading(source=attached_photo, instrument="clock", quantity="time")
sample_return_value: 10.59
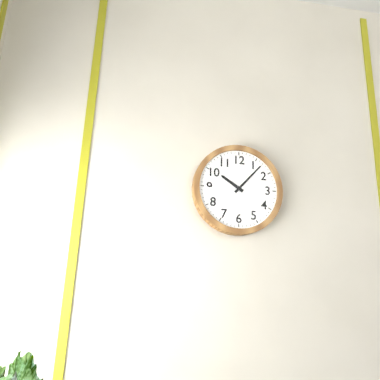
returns 10.07
